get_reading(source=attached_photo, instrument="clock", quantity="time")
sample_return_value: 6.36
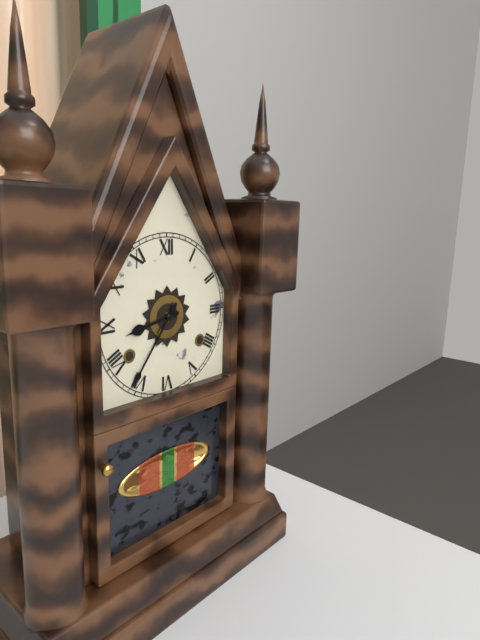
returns 8.36
